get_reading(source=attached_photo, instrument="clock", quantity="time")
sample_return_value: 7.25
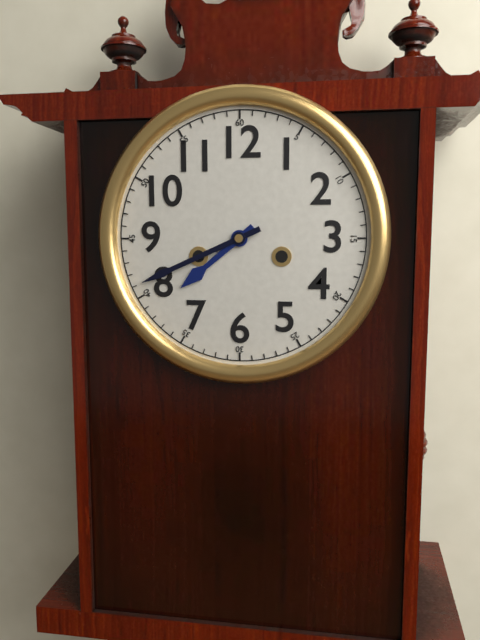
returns 7.41
